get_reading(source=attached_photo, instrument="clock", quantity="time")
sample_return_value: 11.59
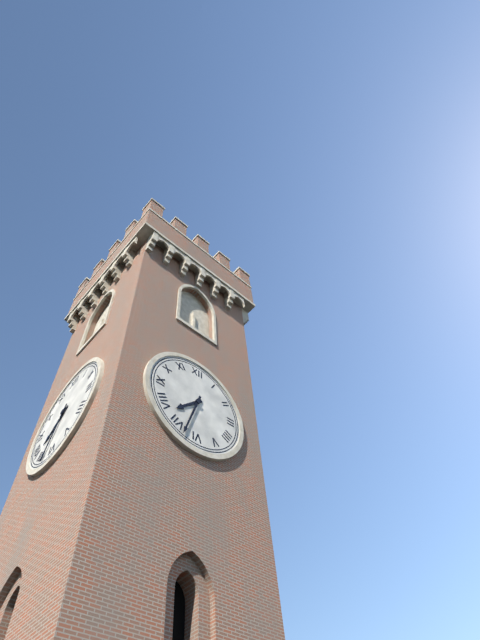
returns 7.33
